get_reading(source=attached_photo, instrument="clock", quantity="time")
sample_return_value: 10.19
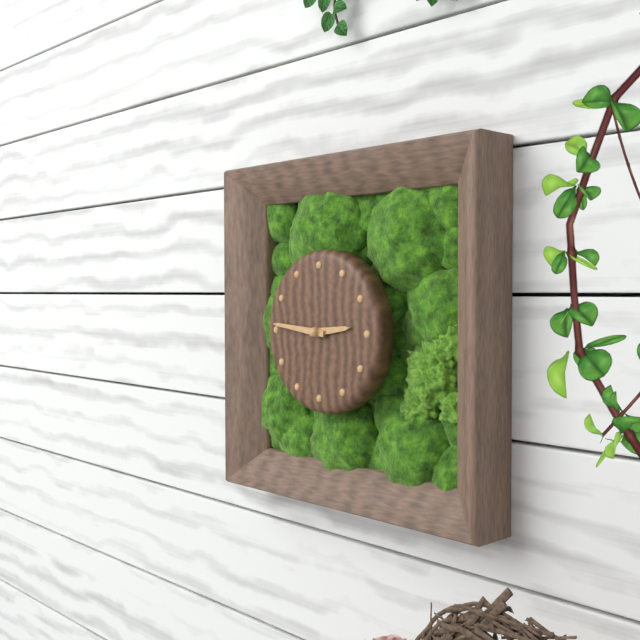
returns 2.46
